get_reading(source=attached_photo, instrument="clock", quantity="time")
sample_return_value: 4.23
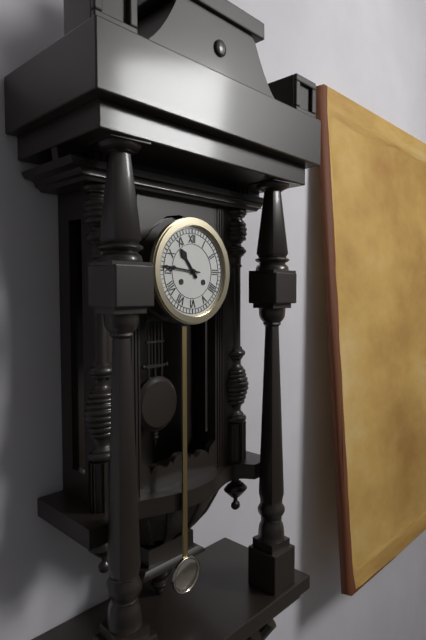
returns 10.46
